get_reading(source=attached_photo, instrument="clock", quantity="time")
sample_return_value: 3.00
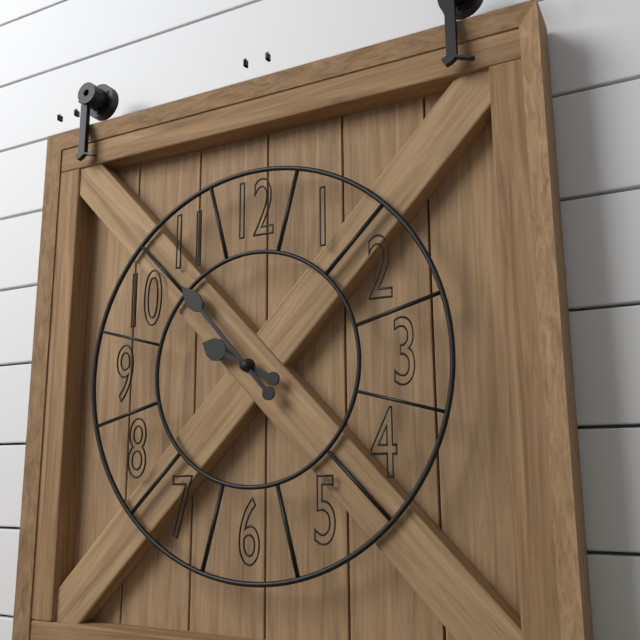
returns 9.53
